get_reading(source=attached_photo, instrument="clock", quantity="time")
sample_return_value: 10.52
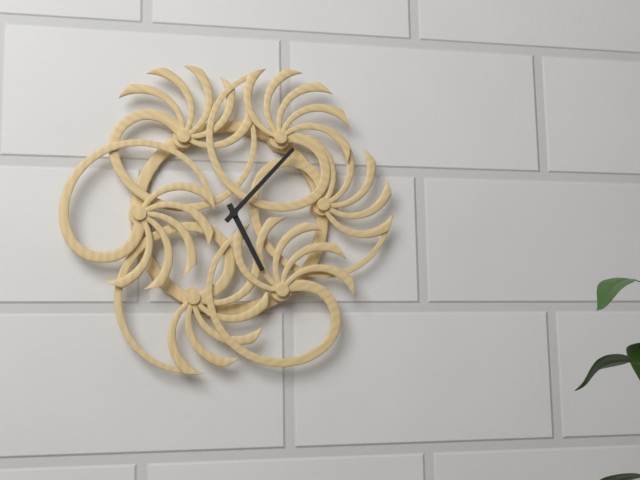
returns 5.07
